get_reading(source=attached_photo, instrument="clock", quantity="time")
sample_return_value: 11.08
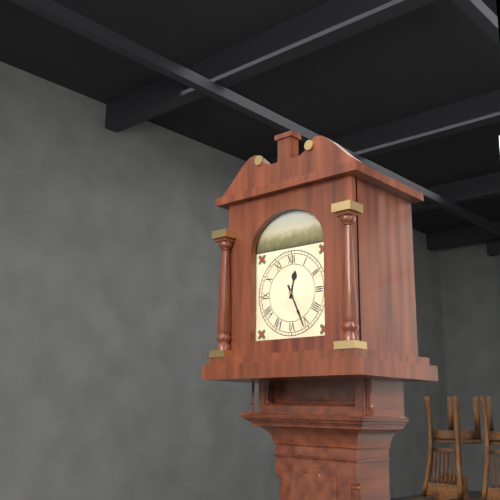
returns 12.26
